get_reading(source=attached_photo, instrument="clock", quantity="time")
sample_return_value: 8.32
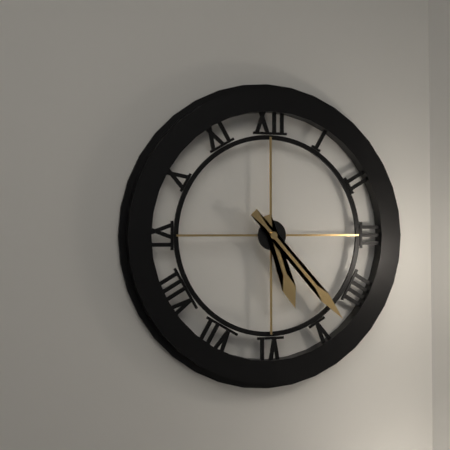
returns 5.23
